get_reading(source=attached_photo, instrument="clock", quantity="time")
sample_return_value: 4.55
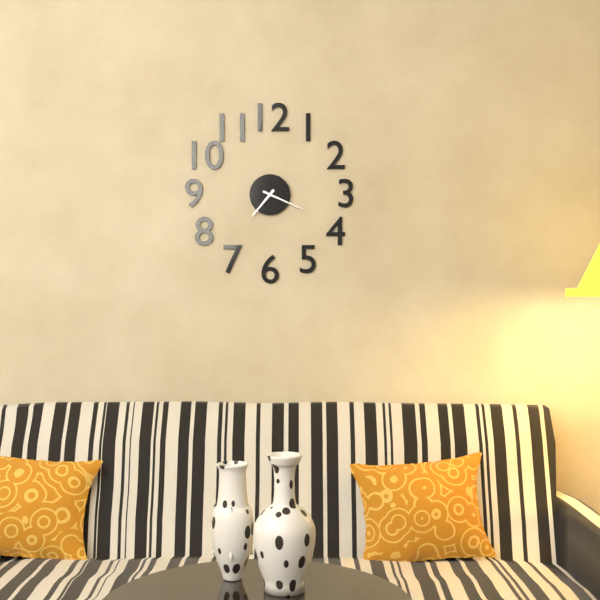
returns 7.19
